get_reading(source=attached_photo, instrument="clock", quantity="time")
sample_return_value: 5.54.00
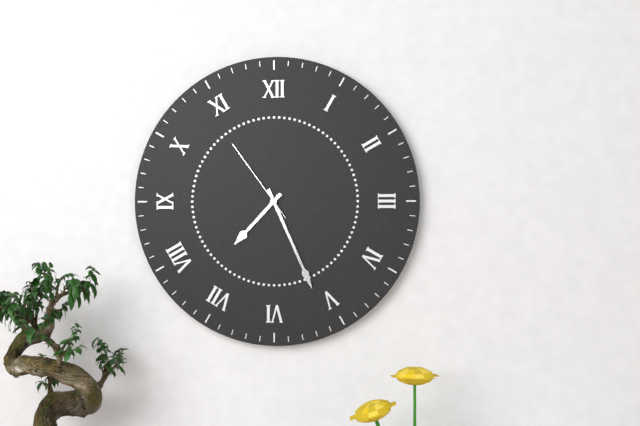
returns 7.26.54
